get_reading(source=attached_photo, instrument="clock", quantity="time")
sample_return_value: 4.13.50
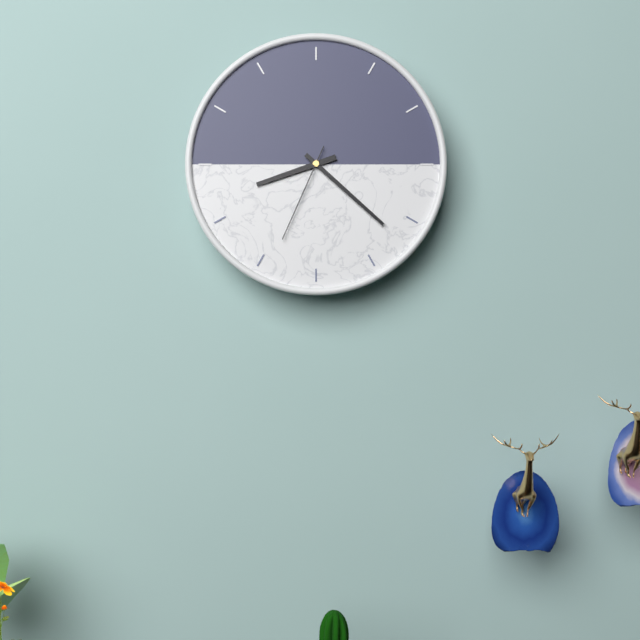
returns 8.22.34
